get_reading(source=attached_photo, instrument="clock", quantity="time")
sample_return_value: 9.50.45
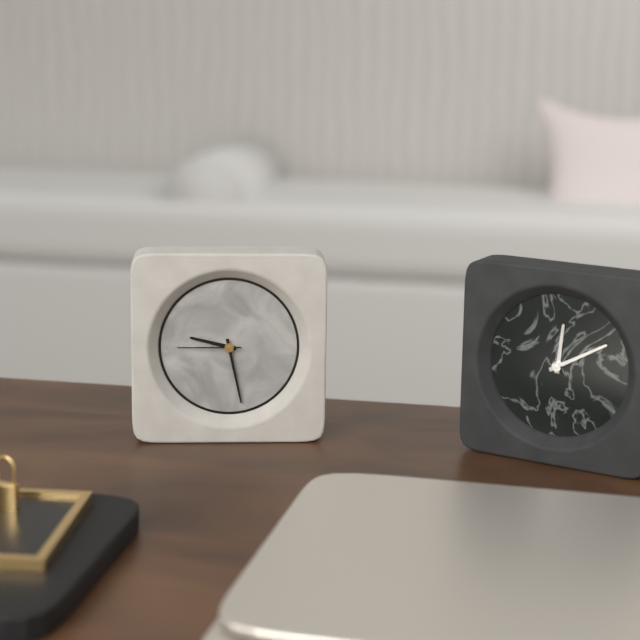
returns 9.28.45
